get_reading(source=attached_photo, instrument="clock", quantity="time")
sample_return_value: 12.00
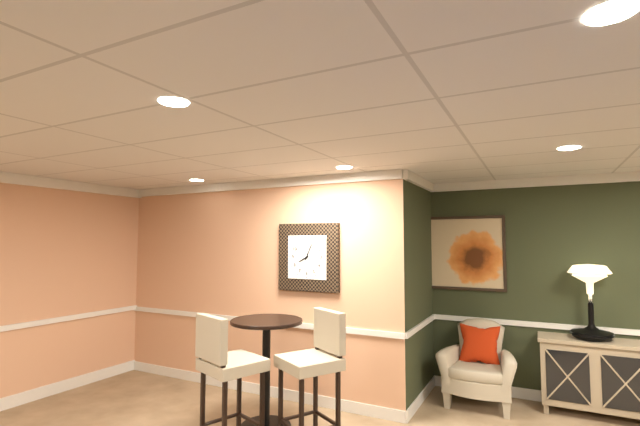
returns 8.04
